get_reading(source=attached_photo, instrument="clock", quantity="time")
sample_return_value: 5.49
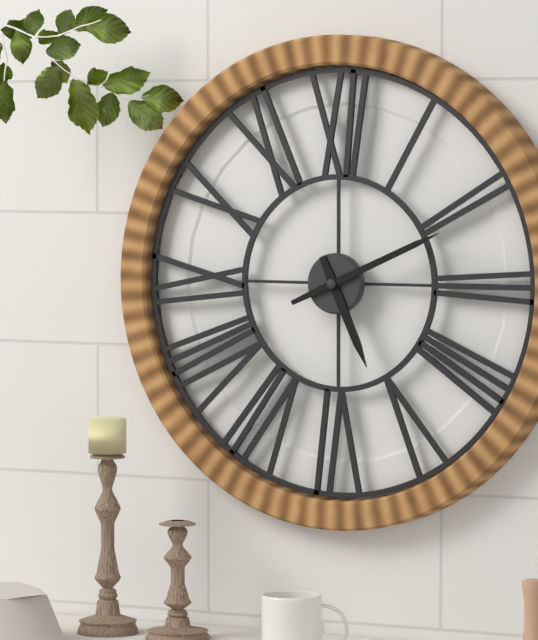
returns 5.11
